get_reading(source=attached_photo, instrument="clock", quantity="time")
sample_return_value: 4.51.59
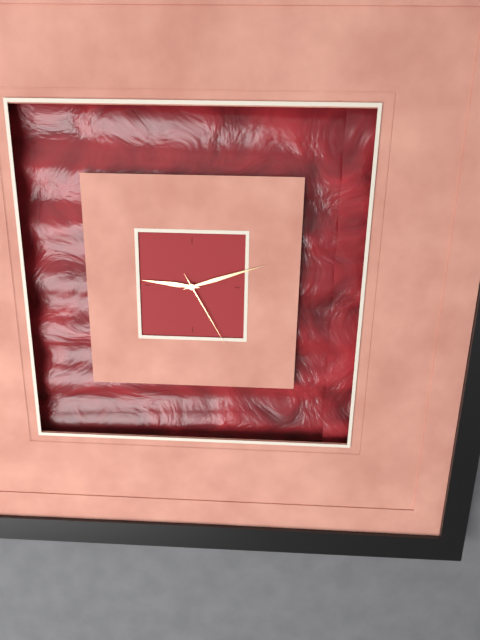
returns 9.12.25
